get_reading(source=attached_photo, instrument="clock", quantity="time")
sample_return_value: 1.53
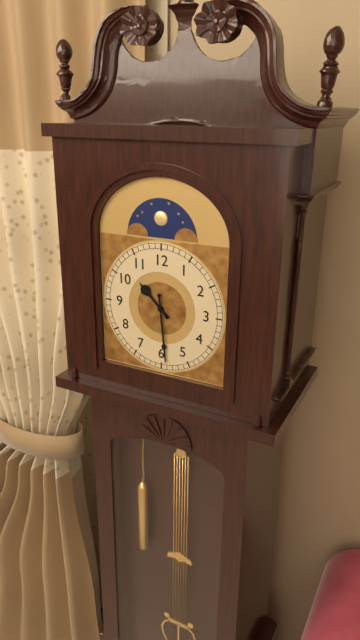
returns 10.29
